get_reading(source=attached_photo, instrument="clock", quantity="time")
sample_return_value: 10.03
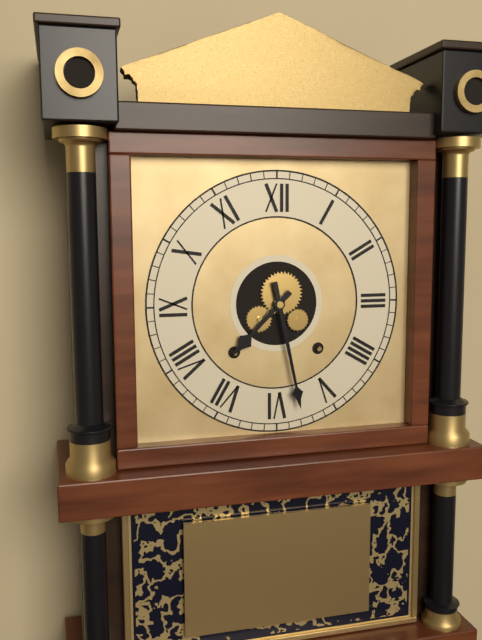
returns 7.28
